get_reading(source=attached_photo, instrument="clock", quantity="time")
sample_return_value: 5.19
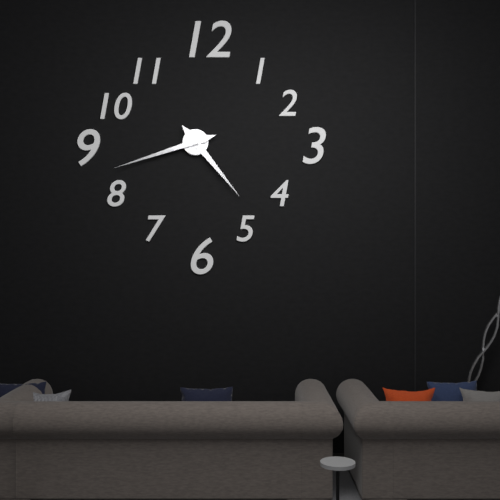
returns 4.42
